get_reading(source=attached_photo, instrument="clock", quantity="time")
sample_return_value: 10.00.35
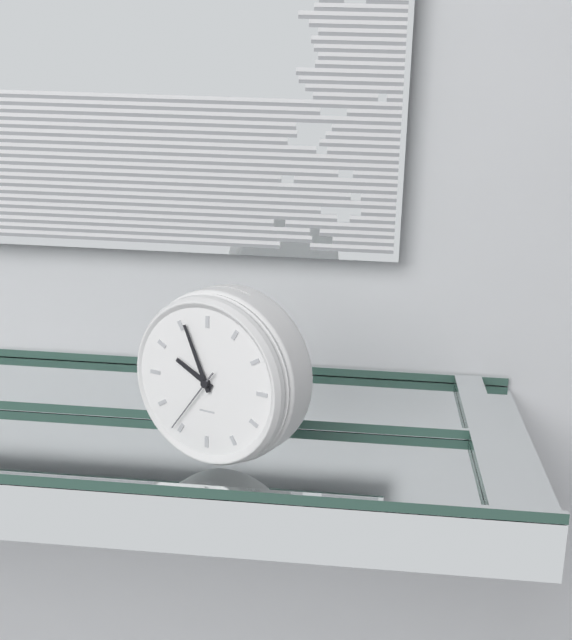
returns 9.56.36
